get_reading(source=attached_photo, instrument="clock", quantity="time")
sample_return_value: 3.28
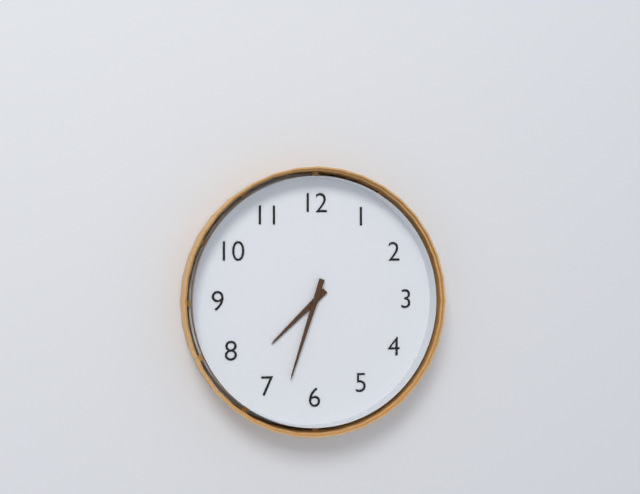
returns 7.33
